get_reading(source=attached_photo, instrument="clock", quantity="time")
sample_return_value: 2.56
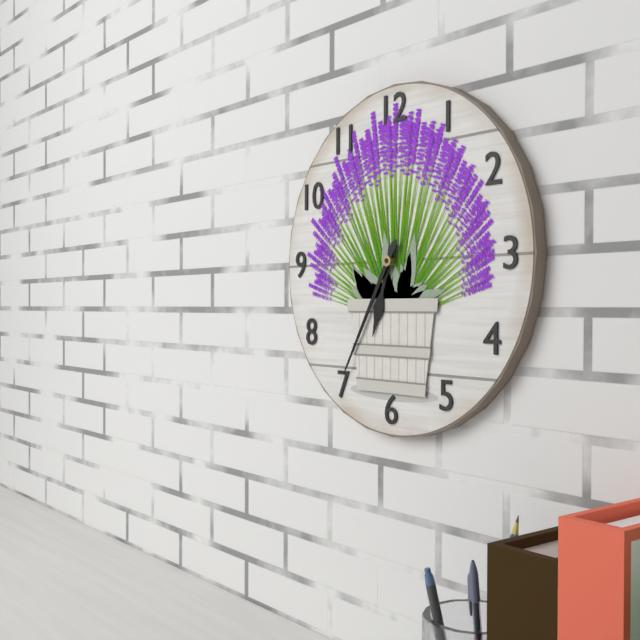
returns 6.35
